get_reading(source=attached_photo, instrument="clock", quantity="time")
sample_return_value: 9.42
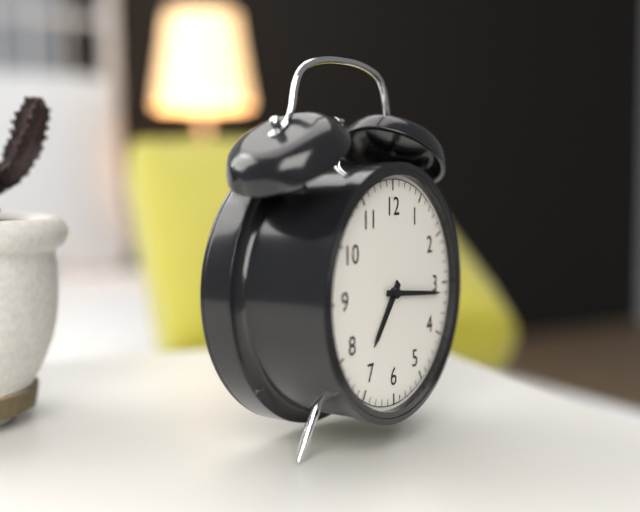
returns 7.16
